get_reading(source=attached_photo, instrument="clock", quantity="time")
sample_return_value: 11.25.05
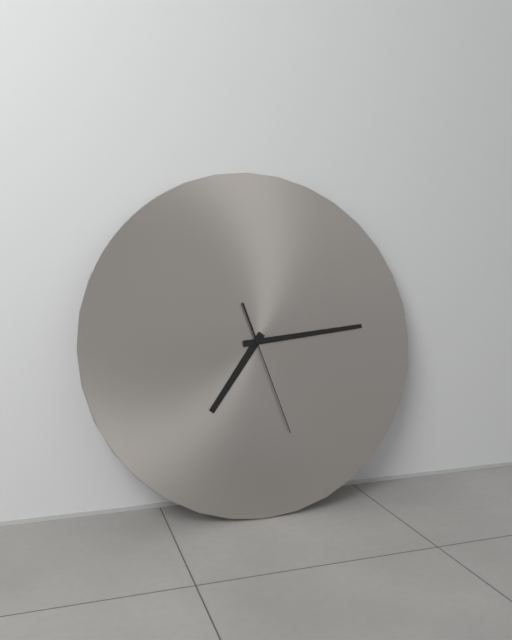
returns 7.14.27
